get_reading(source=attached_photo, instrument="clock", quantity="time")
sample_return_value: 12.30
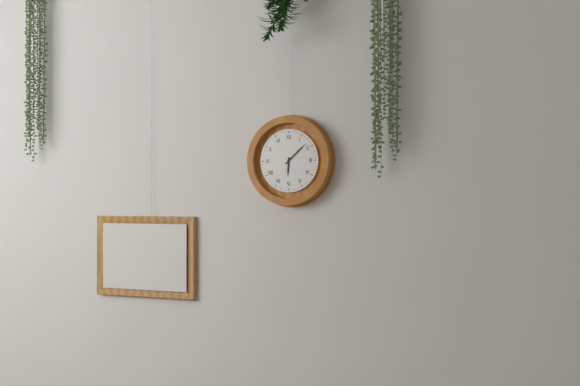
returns 6.08
